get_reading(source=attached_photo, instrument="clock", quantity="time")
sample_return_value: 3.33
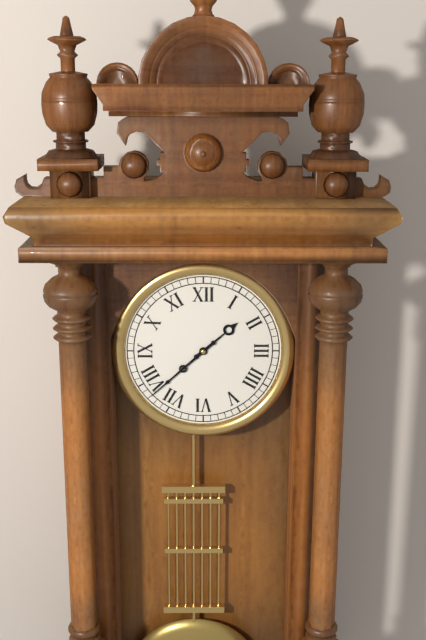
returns 1.38
